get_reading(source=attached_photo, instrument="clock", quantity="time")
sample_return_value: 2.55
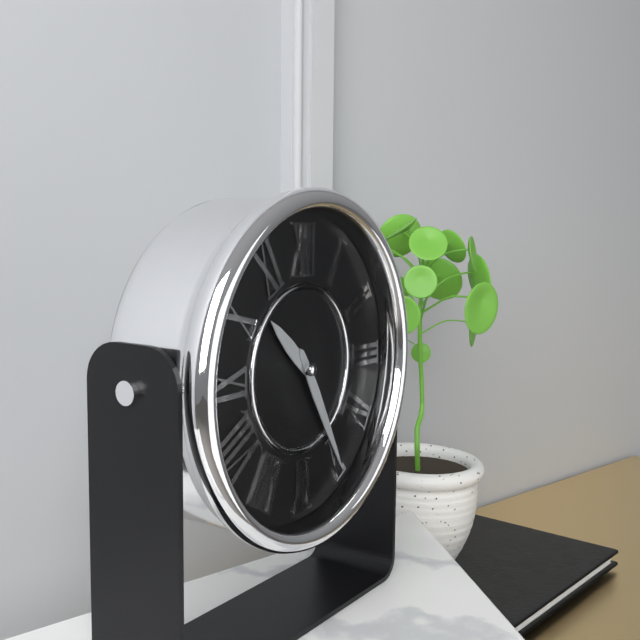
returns 10.25
